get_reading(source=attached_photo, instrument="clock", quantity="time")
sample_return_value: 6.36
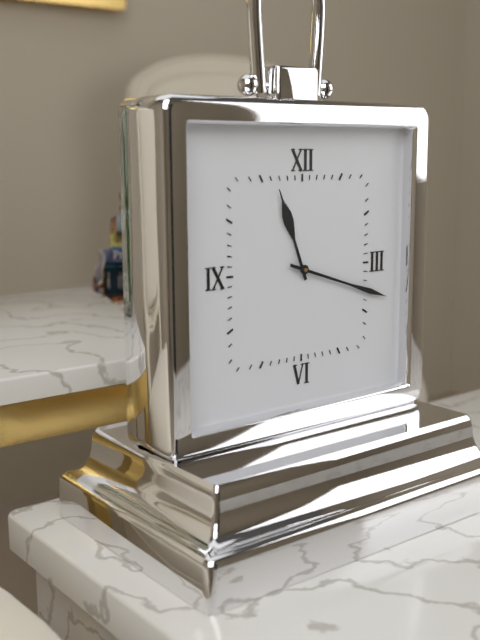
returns 11.18
